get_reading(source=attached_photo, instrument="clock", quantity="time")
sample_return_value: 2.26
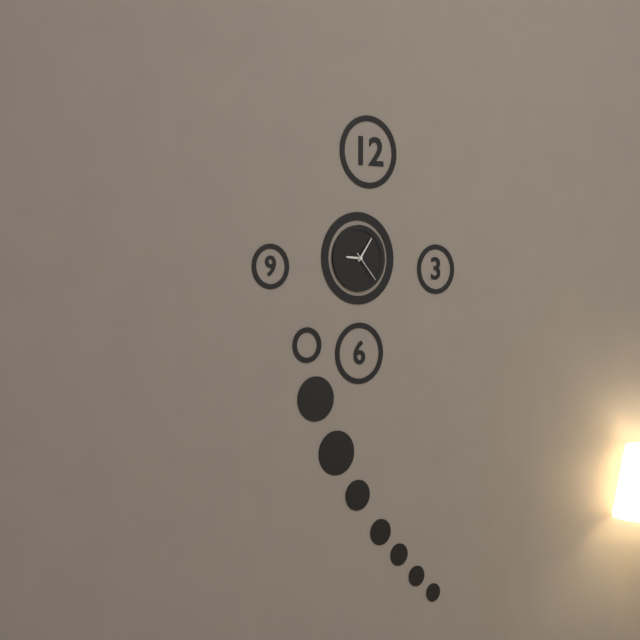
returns 9.06
